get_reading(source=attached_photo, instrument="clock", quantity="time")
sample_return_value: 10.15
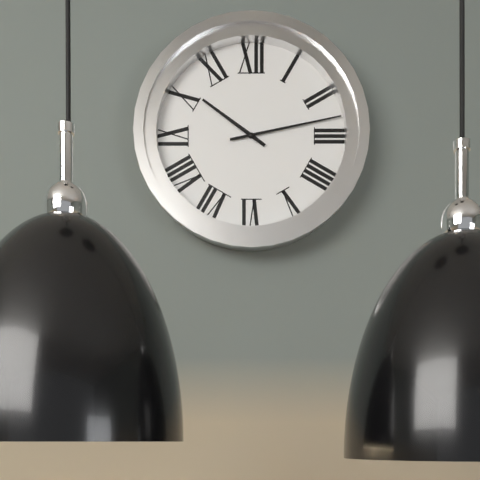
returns 10.13
